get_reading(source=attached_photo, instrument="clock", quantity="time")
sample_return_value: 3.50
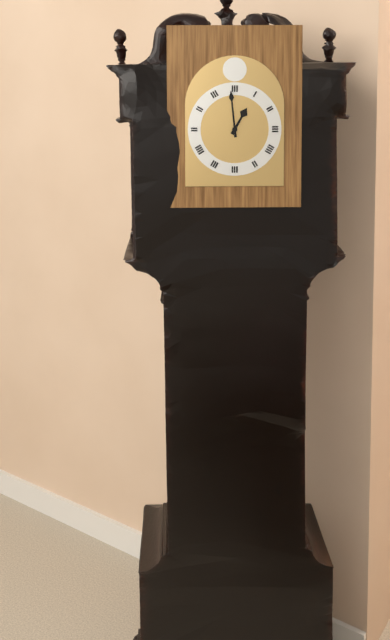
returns 12.59
